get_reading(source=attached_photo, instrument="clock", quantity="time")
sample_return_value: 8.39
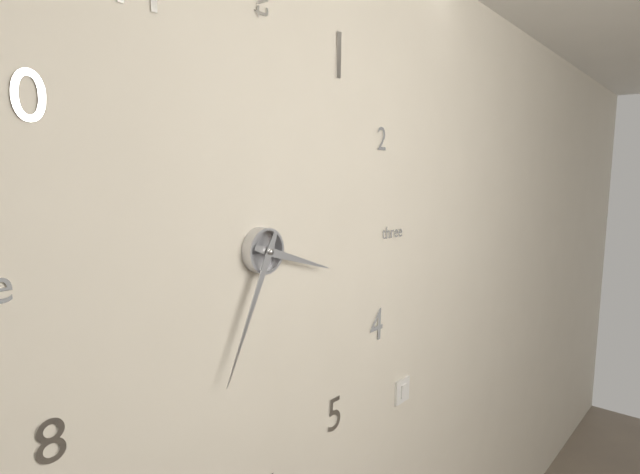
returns 3.34
